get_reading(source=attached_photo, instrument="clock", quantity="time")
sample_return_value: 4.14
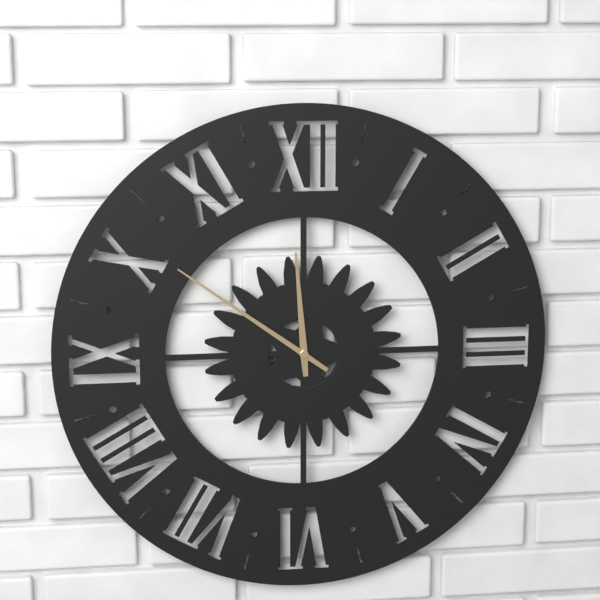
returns 11.51
